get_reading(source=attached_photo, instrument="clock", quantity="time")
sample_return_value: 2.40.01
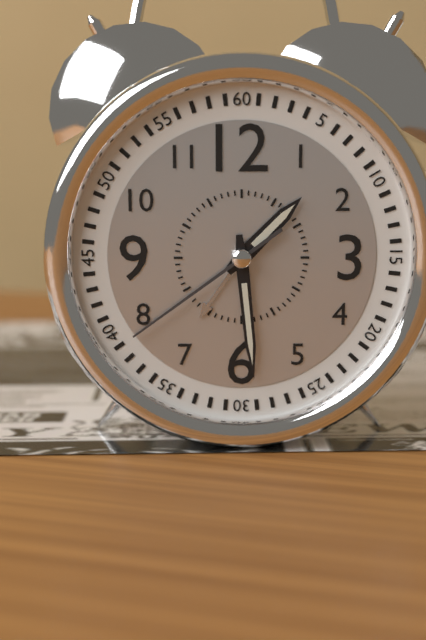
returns 1.29.39
